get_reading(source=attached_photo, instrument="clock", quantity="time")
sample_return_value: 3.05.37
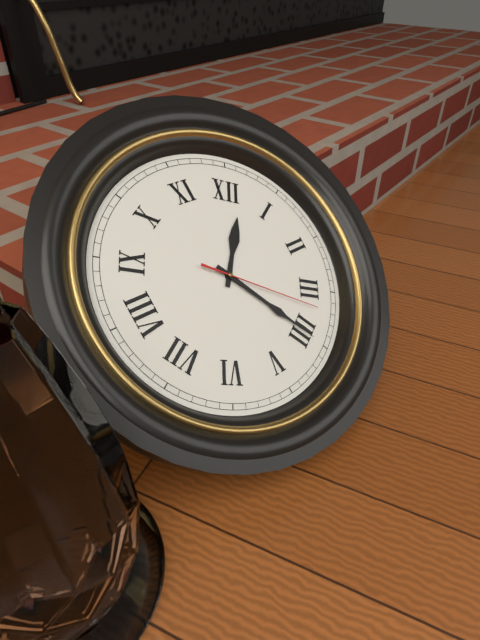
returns 12.20.17
